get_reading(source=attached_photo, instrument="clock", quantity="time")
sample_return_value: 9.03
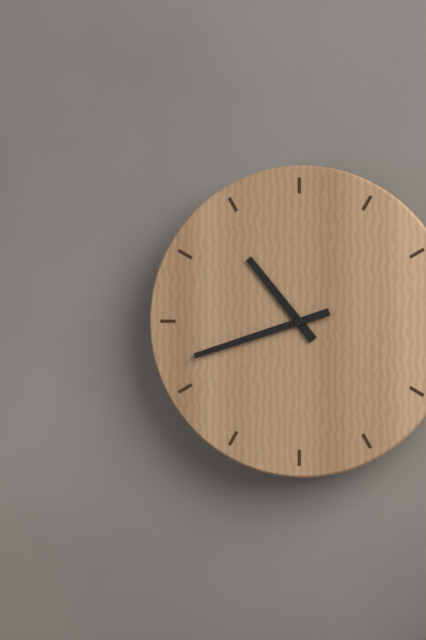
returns 10.42
